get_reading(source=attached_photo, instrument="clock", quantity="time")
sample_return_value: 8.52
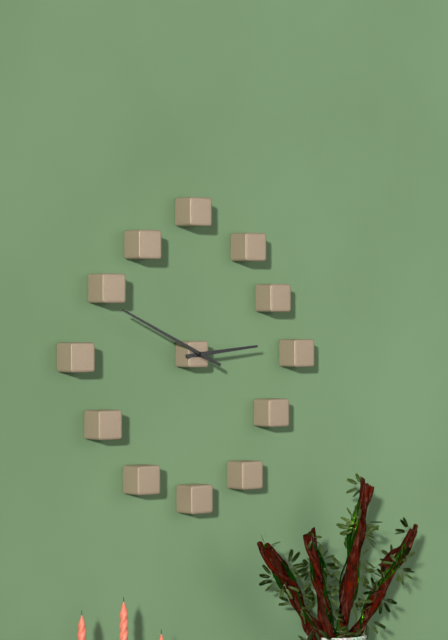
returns 2.49
